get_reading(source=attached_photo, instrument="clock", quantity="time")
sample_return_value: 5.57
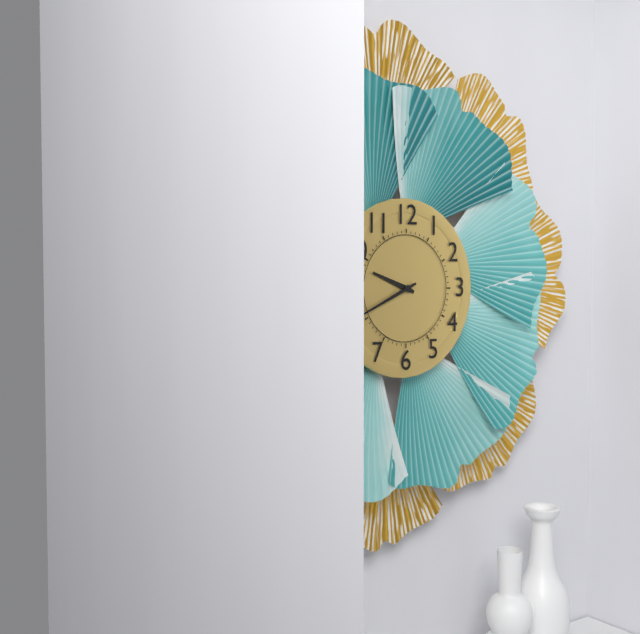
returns 9.41
